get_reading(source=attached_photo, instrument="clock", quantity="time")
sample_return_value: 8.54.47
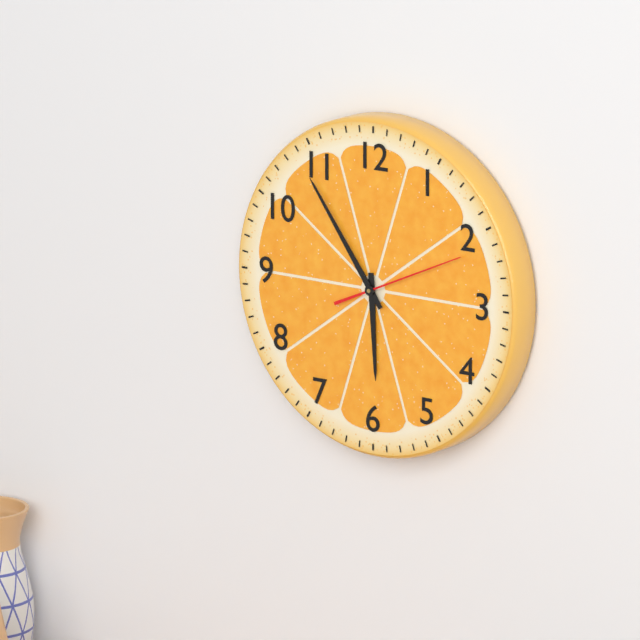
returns 5.54.11
